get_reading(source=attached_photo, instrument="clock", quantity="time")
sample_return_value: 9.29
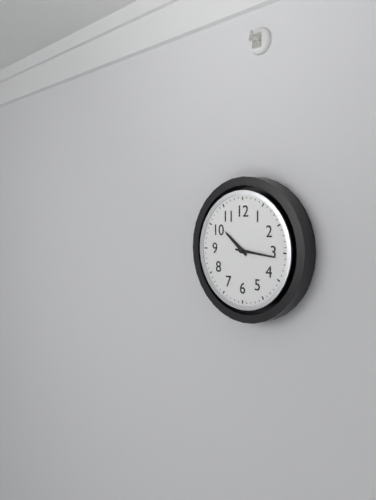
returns 10.16
